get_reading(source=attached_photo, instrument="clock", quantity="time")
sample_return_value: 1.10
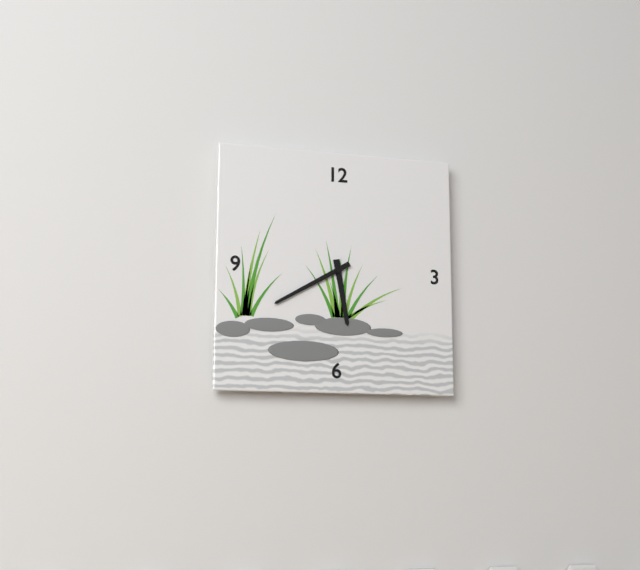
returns 5.40
